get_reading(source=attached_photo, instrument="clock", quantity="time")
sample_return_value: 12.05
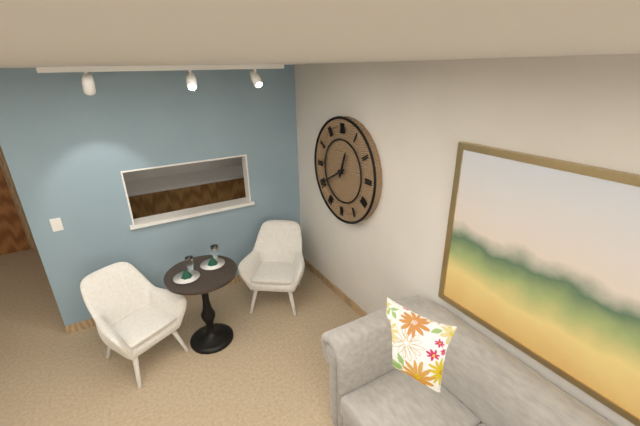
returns 12.40
